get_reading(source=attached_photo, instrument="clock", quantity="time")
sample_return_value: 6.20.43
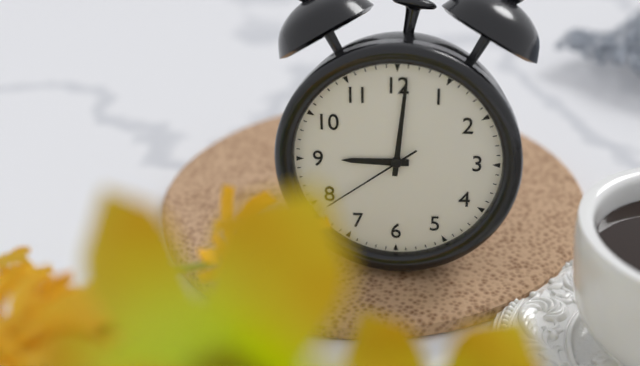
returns 9.01.39
